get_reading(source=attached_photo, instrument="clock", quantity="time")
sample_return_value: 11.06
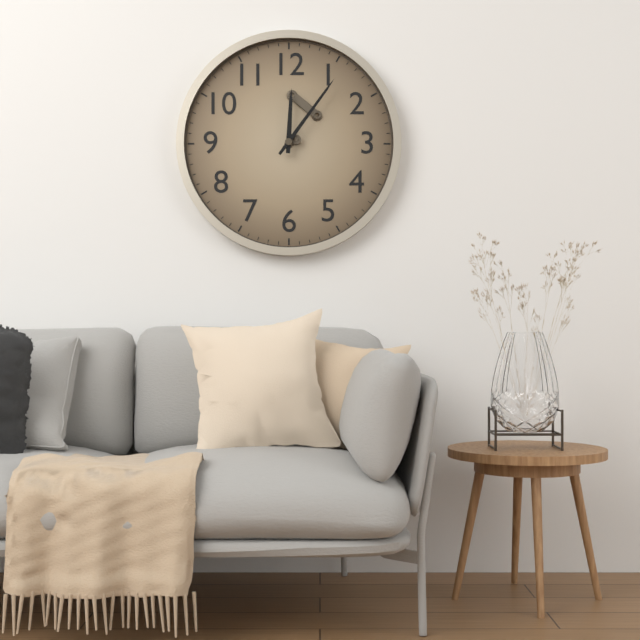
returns 12.06
